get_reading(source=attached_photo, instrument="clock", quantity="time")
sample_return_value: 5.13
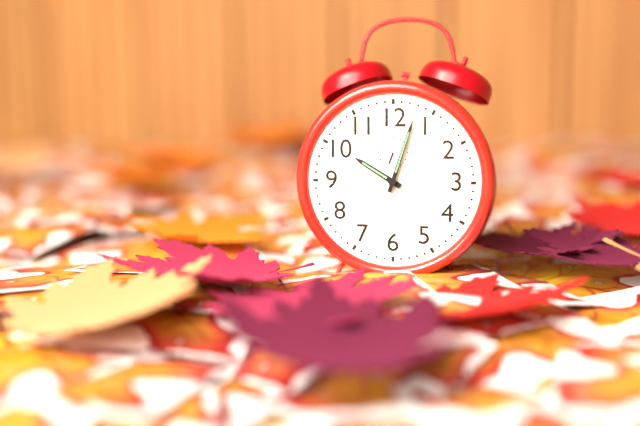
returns 10.03
